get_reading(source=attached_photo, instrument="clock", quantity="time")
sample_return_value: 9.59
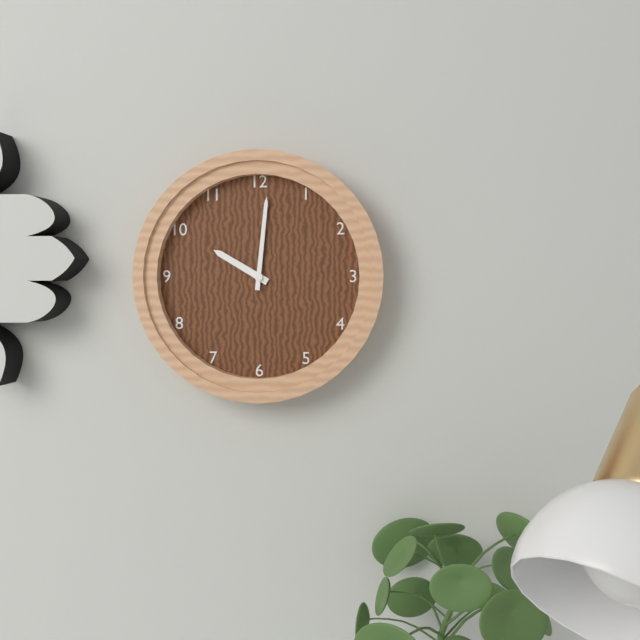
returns 10.01
